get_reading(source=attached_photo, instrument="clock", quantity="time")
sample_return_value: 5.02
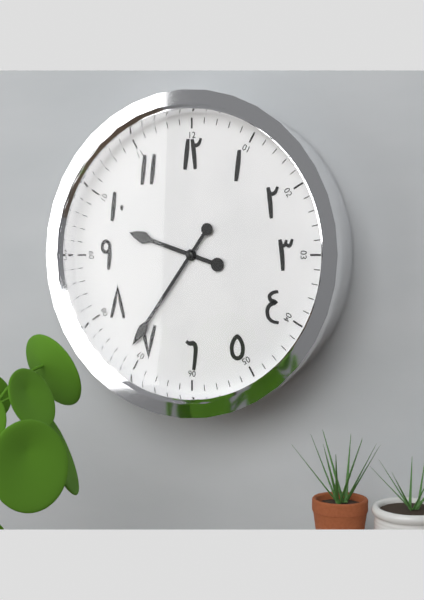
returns 9.36
